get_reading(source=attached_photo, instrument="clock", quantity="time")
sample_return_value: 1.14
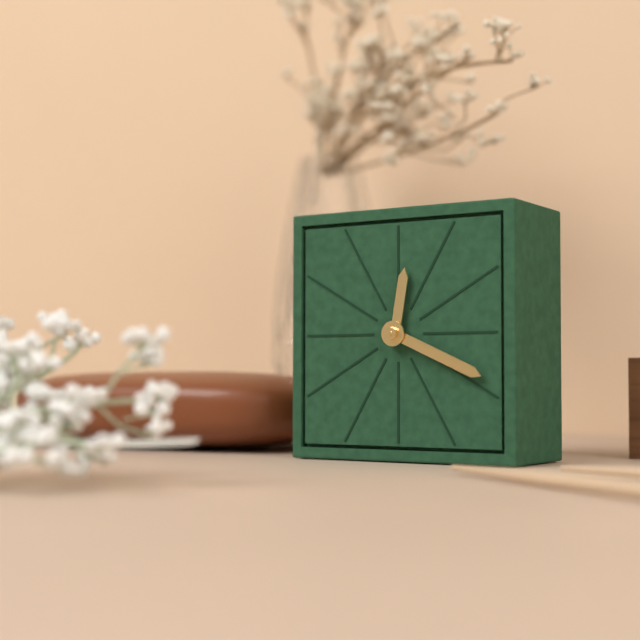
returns 12.19
